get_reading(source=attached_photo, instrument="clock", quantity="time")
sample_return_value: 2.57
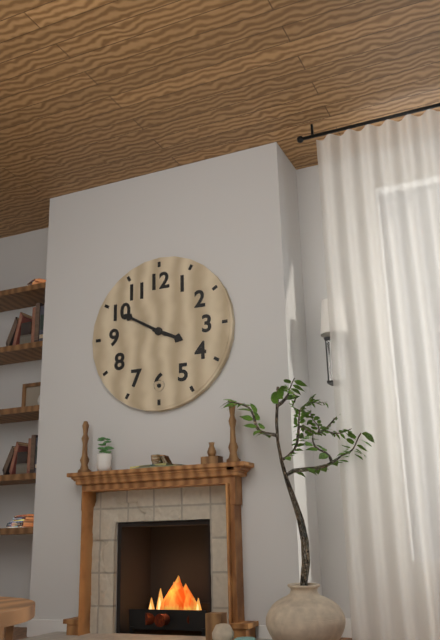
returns 3.50
